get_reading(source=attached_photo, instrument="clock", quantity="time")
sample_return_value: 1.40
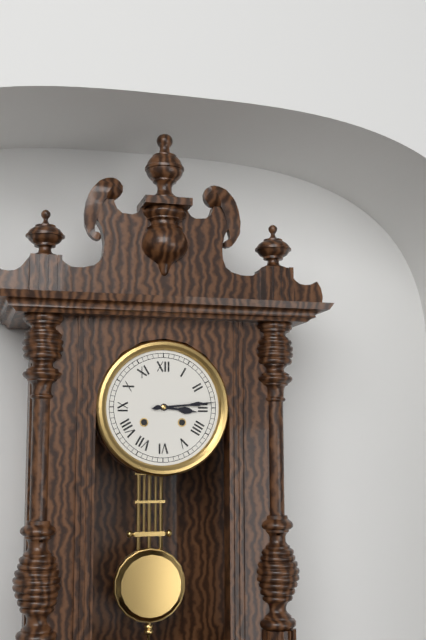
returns 3.14
